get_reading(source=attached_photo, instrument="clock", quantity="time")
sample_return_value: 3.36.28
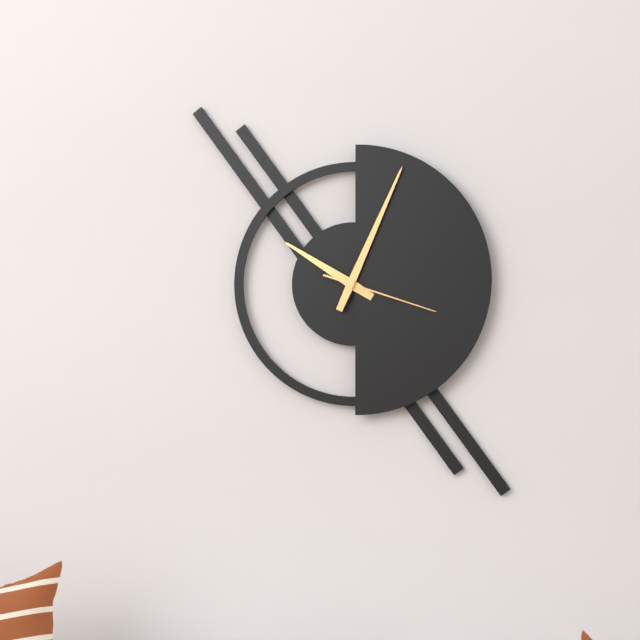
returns 10.04.18
